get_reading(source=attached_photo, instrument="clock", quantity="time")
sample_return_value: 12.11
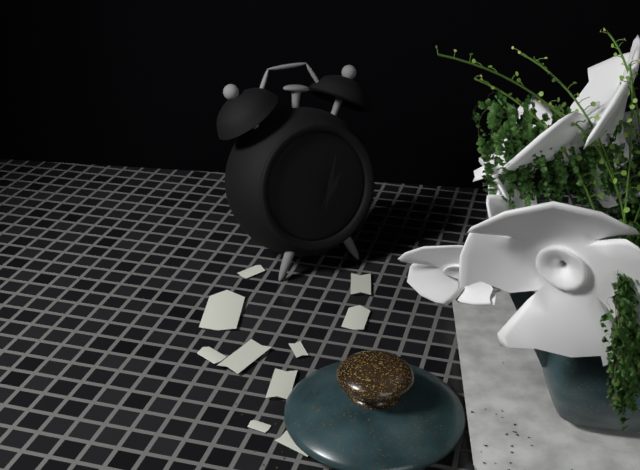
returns 1.02
